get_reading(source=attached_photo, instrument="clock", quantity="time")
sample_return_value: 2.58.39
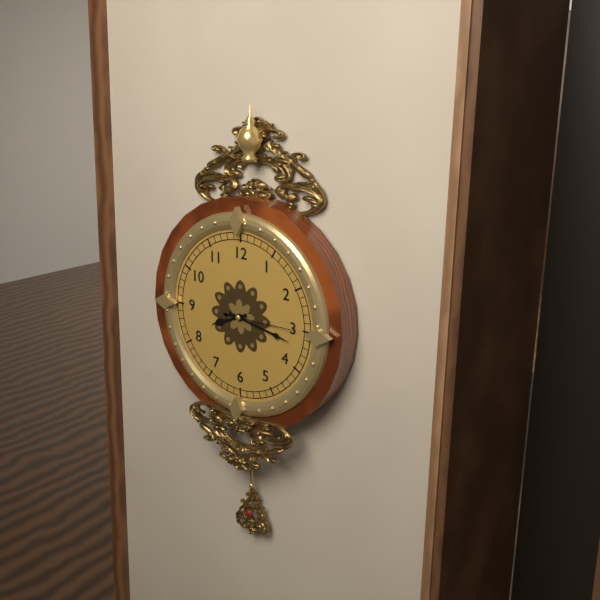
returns 8.17.15
